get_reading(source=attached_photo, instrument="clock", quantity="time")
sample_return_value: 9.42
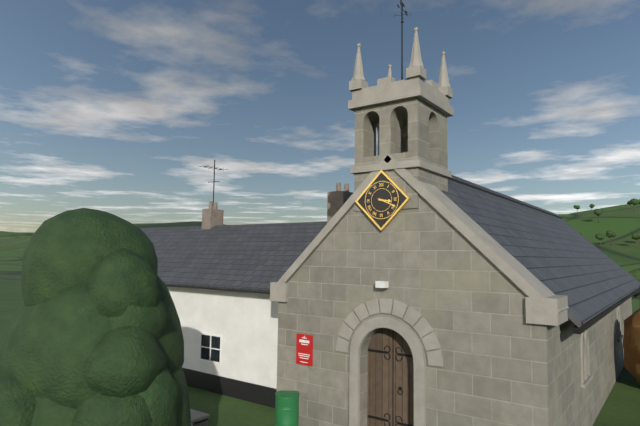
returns 3.19
